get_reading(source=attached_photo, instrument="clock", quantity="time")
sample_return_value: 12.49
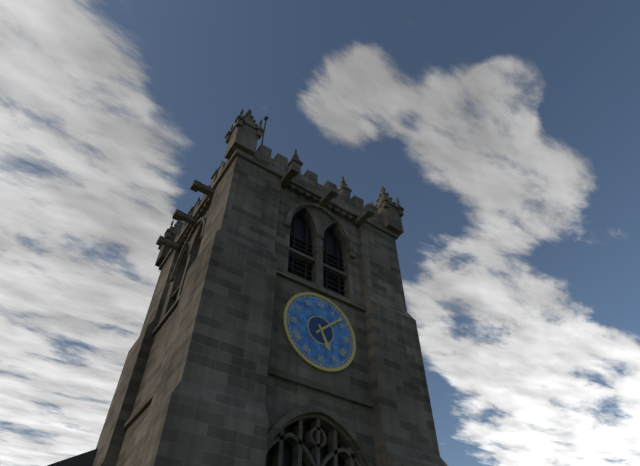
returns 5.08
